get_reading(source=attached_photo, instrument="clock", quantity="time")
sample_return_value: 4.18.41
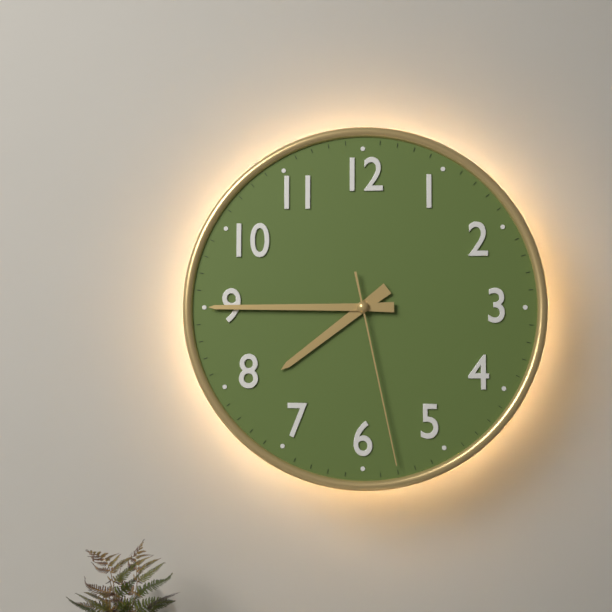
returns 7.45.28
